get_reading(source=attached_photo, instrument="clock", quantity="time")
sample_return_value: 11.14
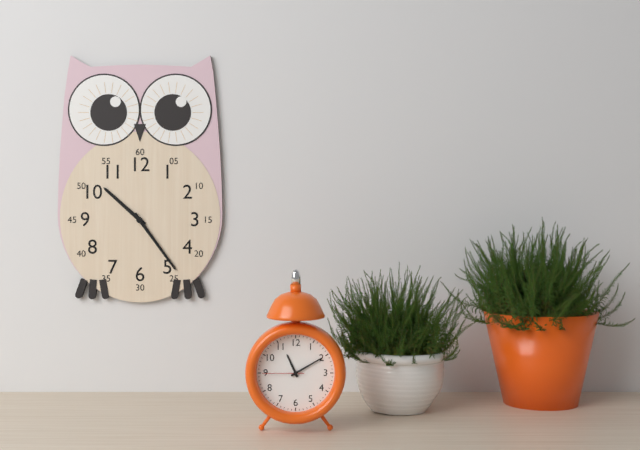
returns 10.24
